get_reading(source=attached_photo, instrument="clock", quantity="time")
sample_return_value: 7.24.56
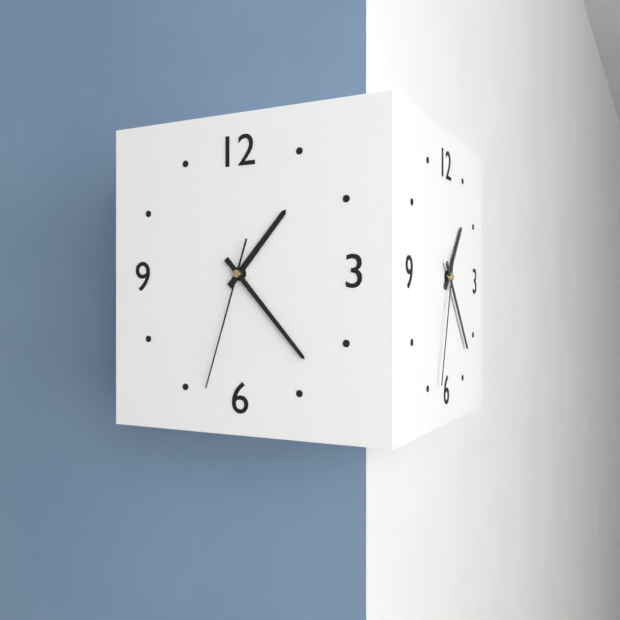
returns 1.23.33
